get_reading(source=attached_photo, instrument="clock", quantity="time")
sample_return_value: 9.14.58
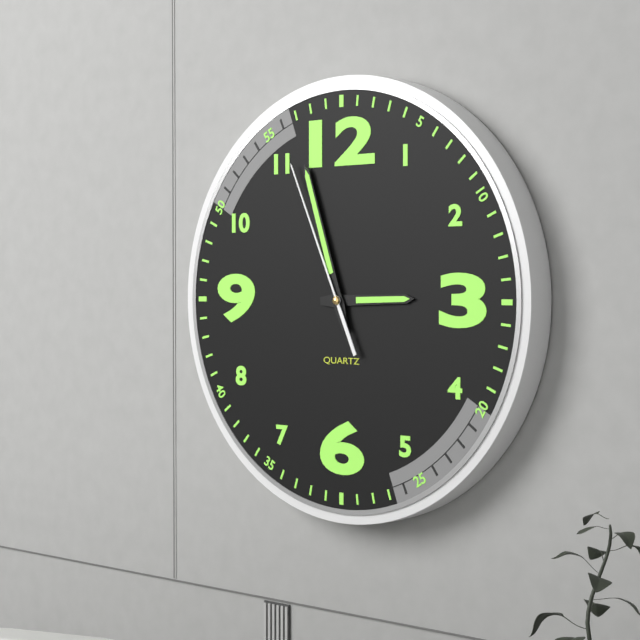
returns 2.57.56
